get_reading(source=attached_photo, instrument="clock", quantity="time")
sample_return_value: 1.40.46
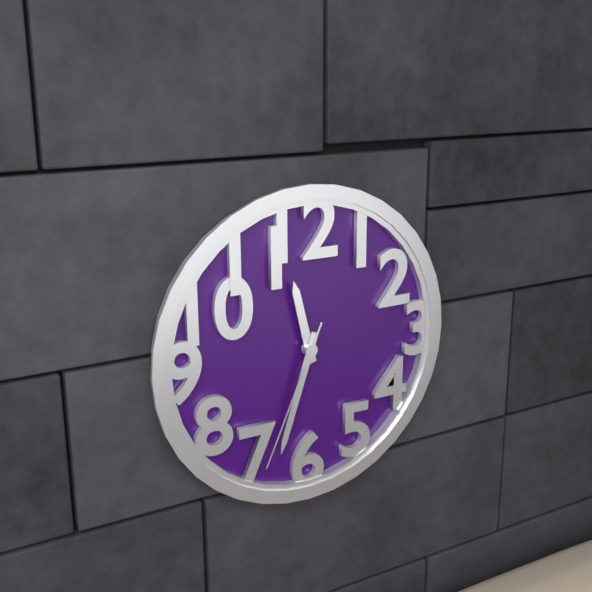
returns 11.33.34
